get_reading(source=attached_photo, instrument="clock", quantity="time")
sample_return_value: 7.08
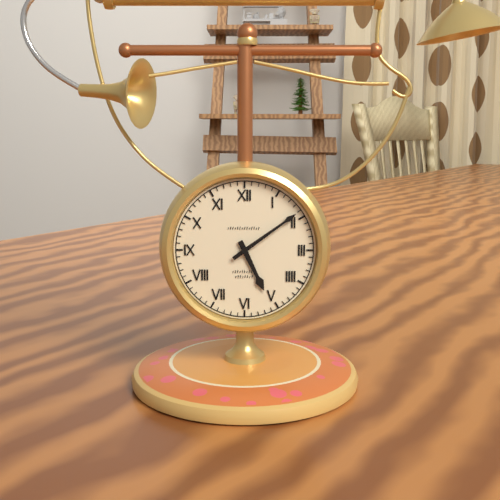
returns 5.09
